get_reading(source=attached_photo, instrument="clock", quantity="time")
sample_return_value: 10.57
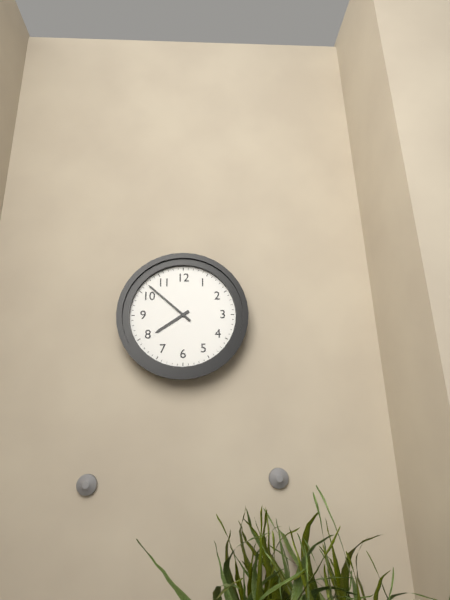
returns 7.52
